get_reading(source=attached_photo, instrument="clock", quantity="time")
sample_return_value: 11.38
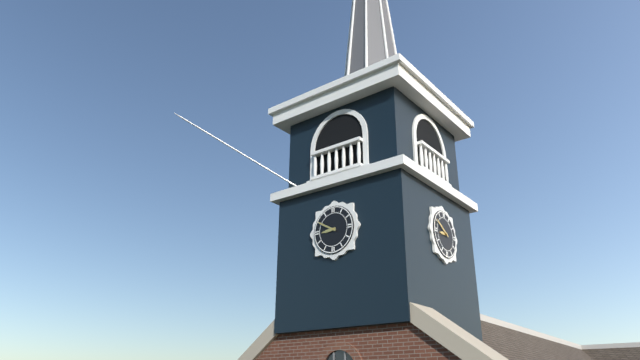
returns 8.50
